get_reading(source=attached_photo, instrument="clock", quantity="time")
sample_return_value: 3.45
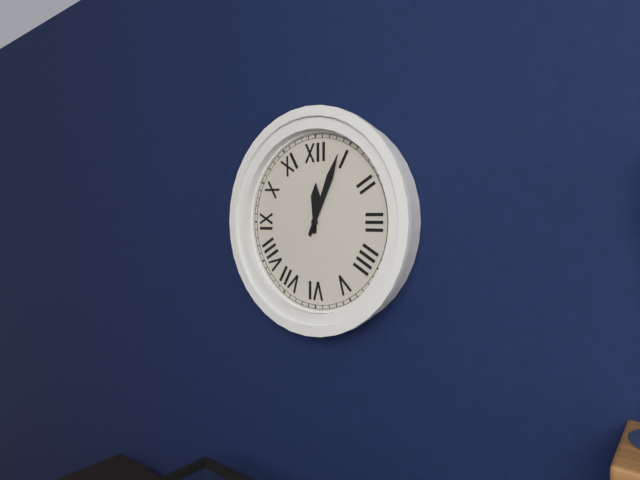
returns 12.04
